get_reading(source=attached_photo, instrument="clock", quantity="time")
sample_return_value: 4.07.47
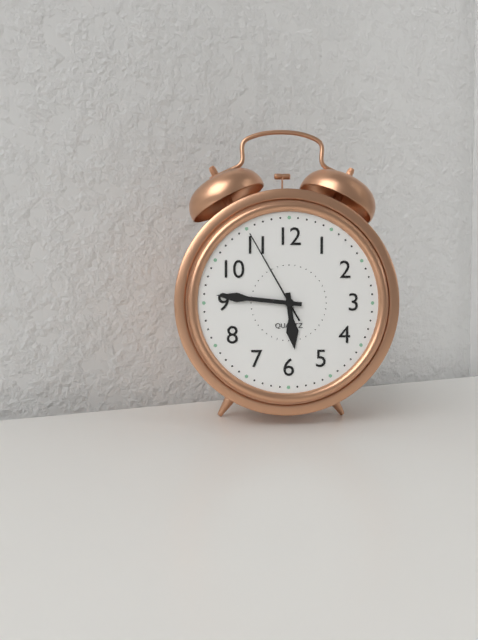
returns 5.46.55
